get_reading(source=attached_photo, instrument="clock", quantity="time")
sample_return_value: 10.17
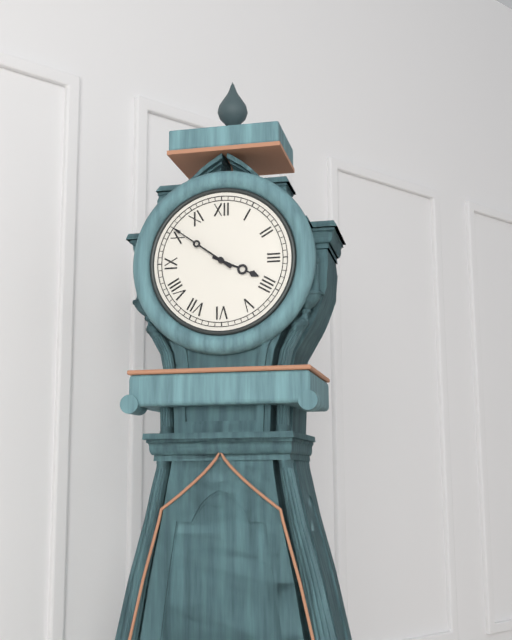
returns 3.51
